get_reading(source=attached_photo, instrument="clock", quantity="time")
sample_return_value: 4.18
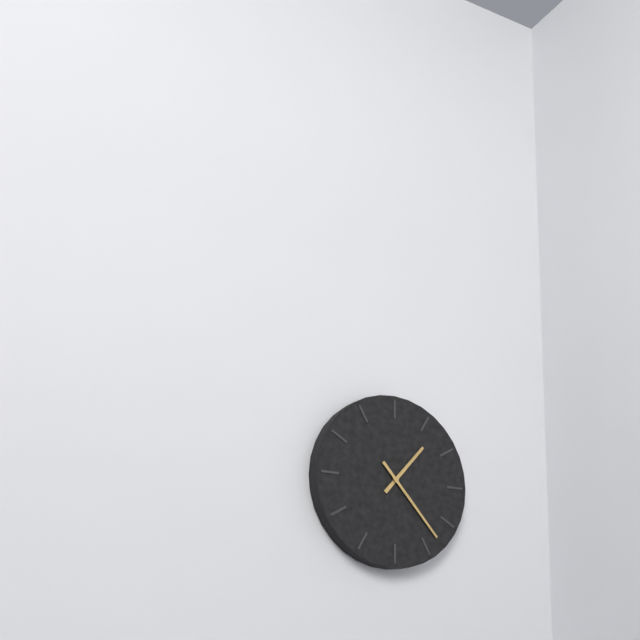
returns 1.23
